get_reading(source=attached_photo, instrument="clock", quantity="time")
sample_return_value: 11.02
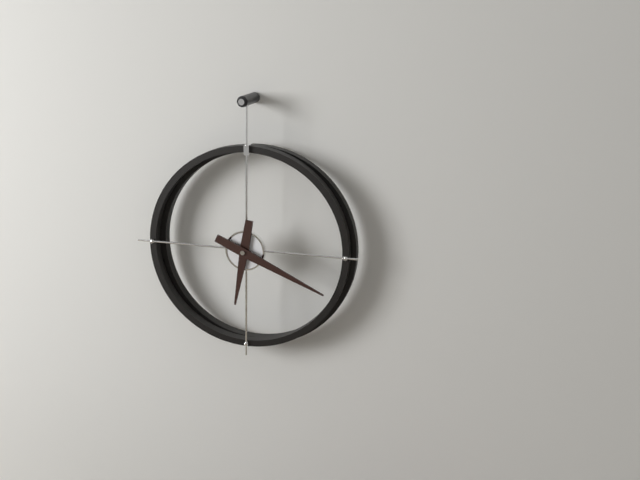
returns 6.19
